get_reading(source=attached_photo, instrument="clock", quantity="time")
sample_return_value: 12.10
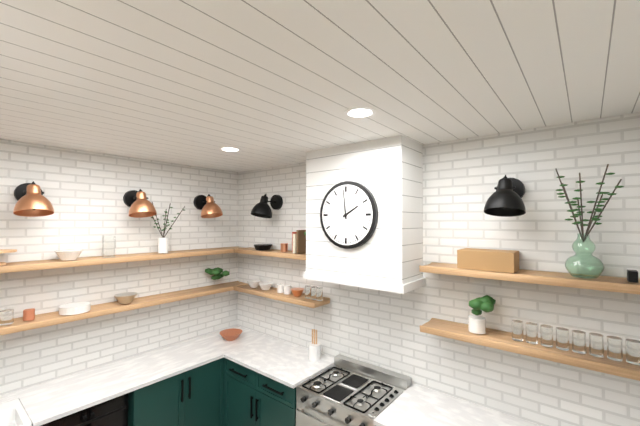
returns 1.59
